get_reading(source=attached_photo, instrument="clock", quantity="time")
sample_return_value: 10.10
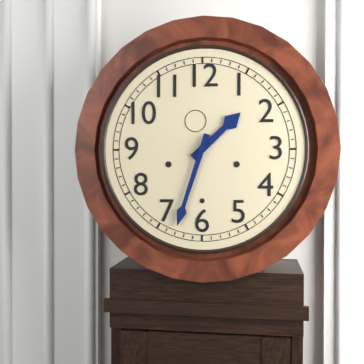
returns 1.33
